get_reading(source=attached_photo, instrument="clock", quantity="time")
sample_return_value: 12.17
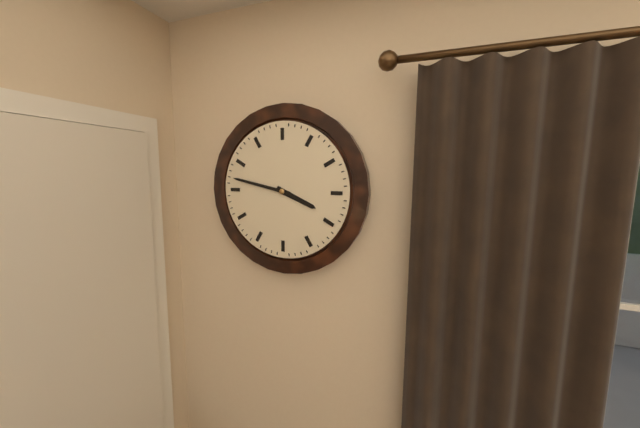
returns 3.47
